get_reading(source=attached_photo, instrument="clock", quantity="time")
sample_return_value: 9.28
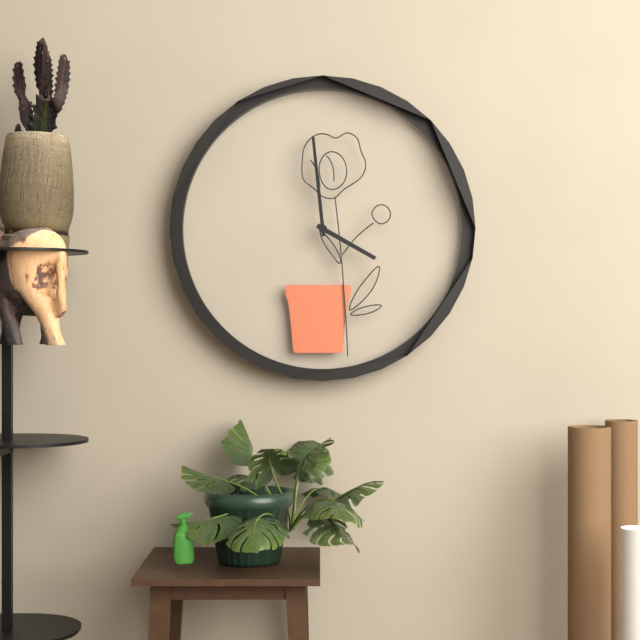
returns 3.59
